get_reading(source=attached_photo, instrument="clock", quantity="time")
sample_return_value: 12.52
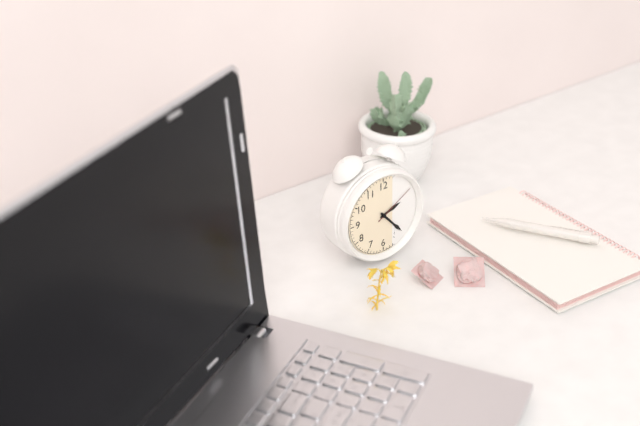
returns 2.23
